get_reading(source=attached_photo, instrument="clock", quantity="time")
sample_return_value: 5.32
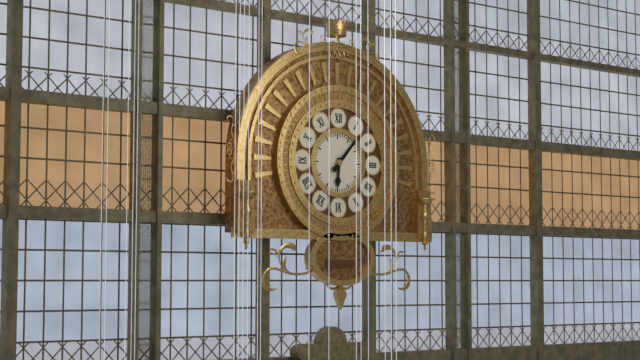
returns 6.07
